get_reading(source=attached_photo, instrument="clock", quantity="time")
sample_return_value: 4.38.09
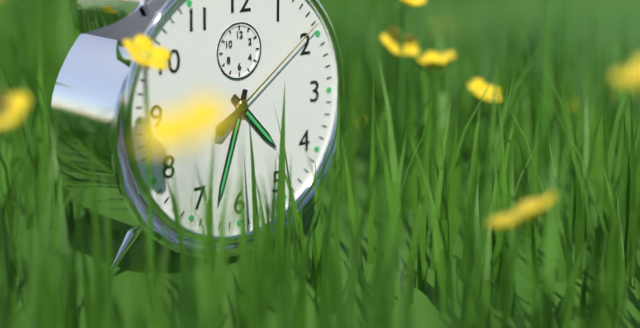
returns 4.33.09
